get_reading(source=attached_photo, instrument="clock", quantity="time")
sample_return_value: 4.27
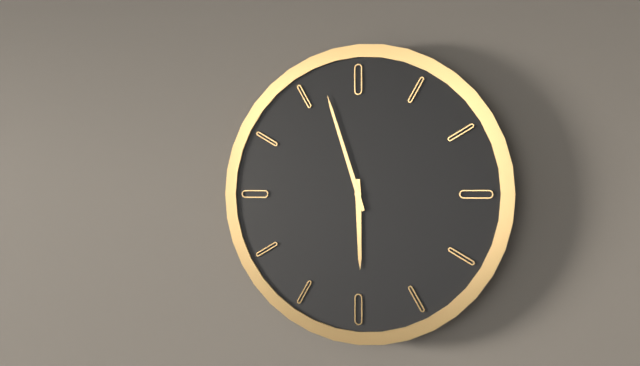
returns 5.57
